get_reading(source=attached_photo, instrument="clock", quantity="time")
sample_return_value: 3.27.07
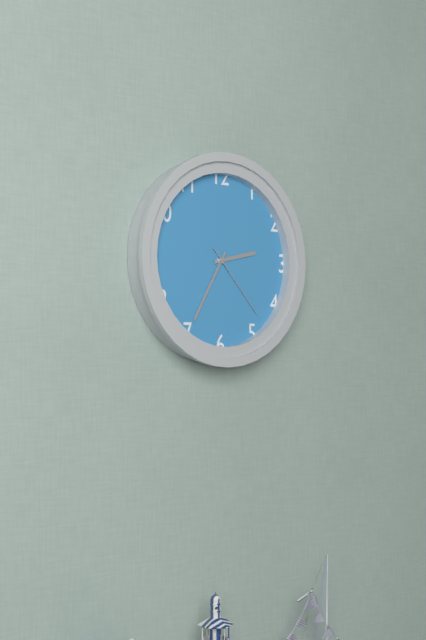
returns 2.35.23
